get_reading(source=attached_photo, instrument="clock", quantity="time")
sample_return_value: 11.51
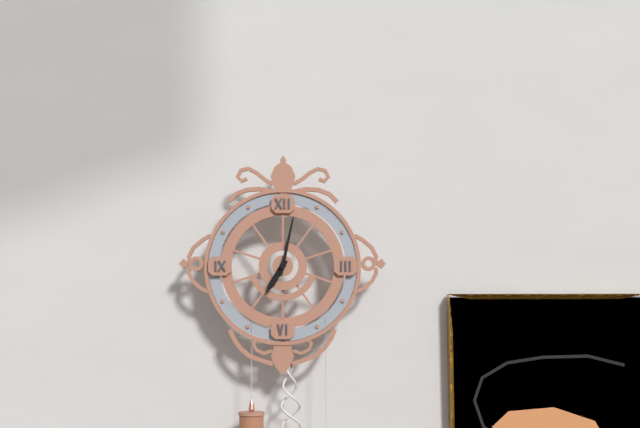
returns 7.02
